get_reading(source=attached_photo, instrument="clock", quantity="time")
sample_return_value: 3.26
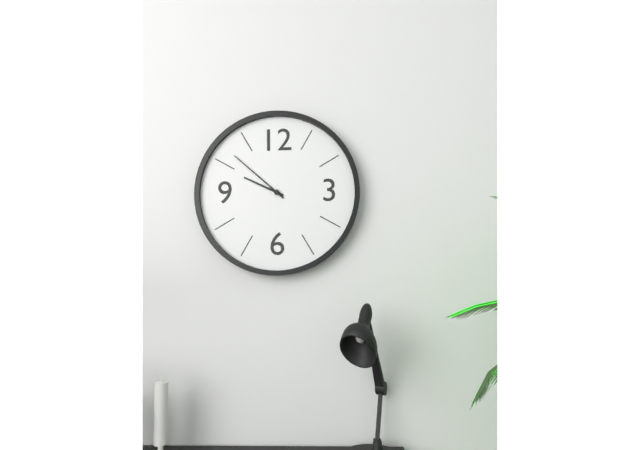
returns 9.52
